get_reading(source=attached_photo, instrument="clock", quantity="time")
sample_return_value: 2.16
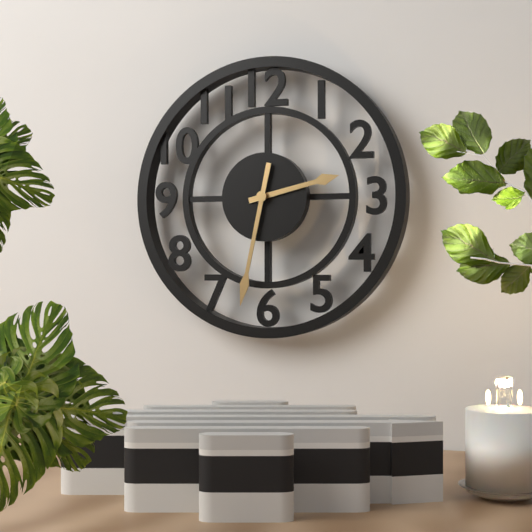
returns 2.32
